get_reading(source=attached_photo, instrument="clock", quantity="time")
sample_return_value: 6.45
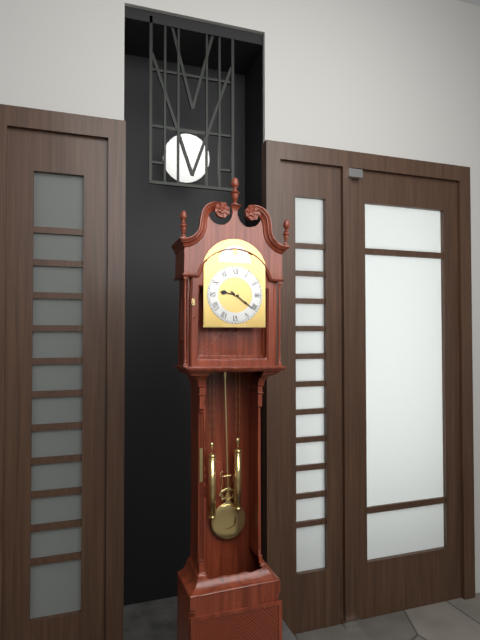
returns 9.21
